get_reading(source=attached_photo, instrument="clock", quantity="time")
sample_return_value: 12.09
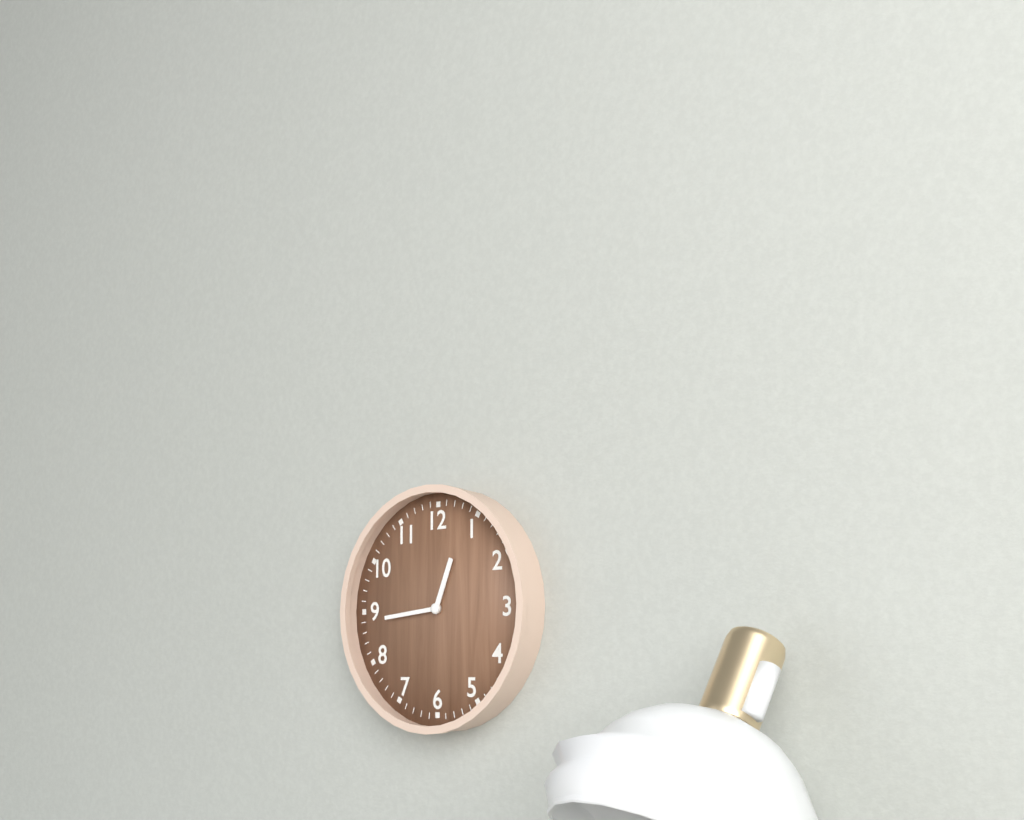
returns 12.44
